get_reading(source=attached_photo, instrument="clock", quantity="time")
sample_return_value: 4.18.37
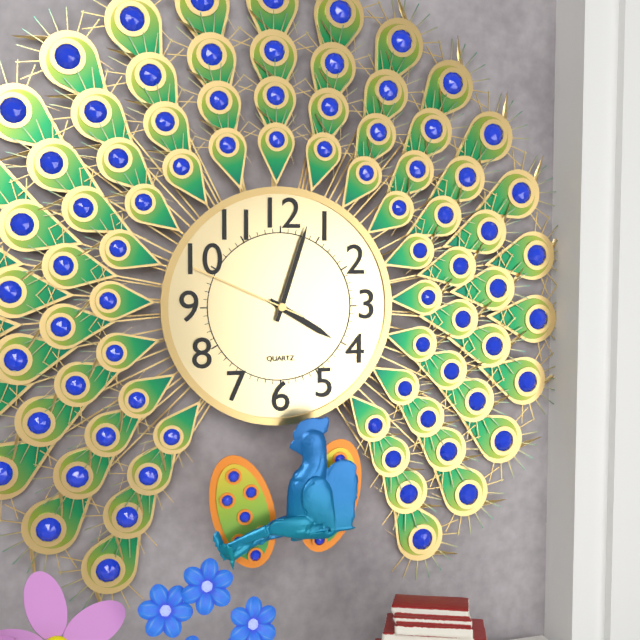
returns 4.03.49
